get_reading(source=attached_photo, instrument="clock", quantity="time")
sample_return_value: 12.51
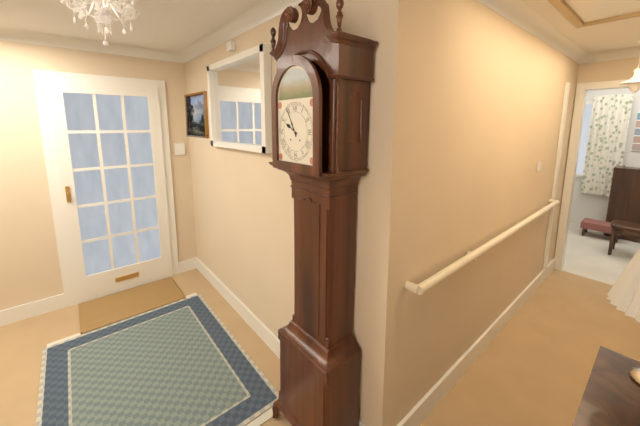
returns 9.55
